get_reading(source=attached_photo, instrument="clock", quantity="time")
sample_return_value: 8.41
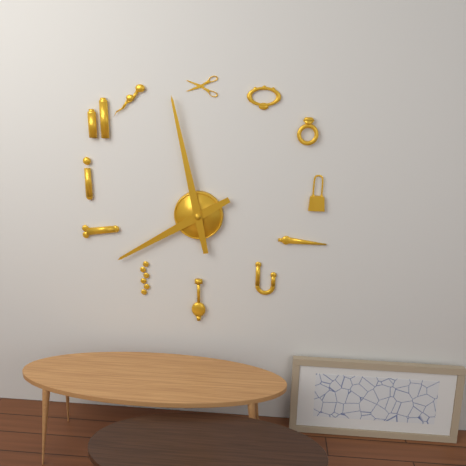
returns 7.58
